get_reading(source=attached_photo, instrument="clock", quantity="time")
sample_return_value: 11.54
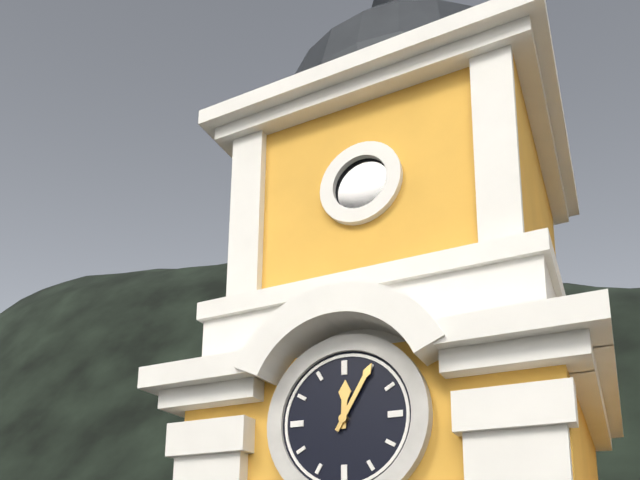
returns 12.05
